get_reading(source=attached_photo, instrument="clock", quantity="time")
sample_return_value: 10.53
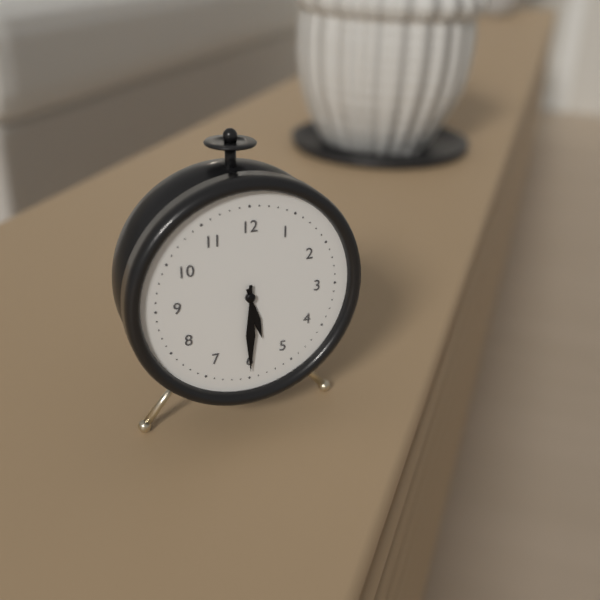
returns 5.30
